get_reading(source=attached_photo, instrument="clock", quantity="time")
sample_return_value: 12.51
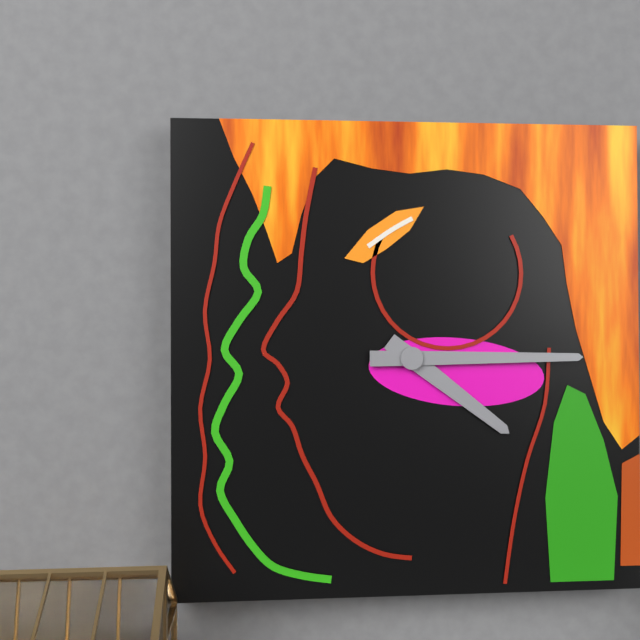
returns 4.15
